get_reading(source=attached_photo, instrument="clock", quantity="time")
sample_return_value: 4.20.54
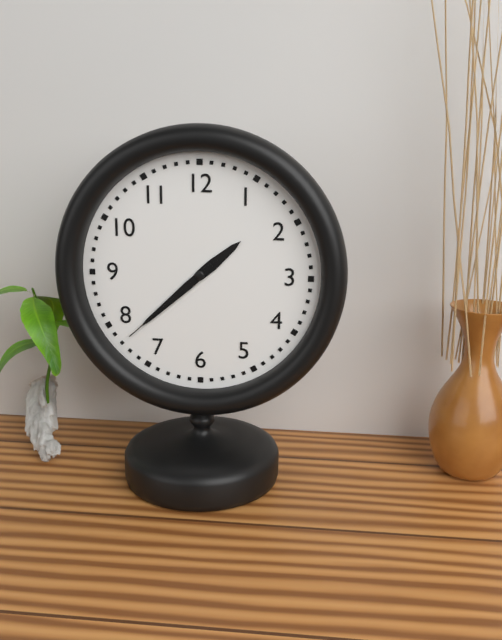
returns 1.38.38
